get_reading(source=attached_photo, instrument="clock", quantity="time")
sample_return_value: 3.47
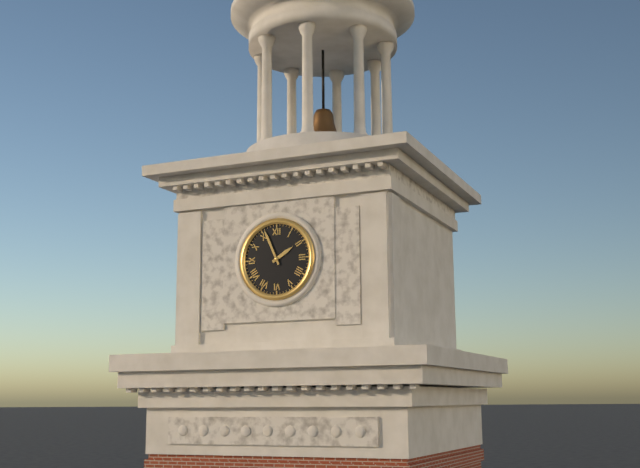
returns 1.56
